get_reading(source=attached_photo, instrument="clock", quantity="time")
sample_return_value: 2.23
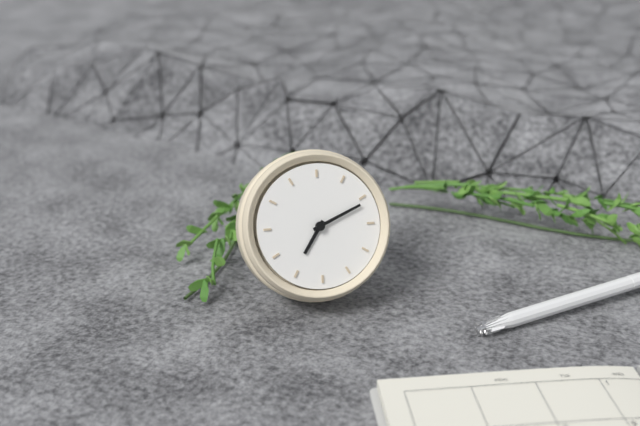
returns 6.06
